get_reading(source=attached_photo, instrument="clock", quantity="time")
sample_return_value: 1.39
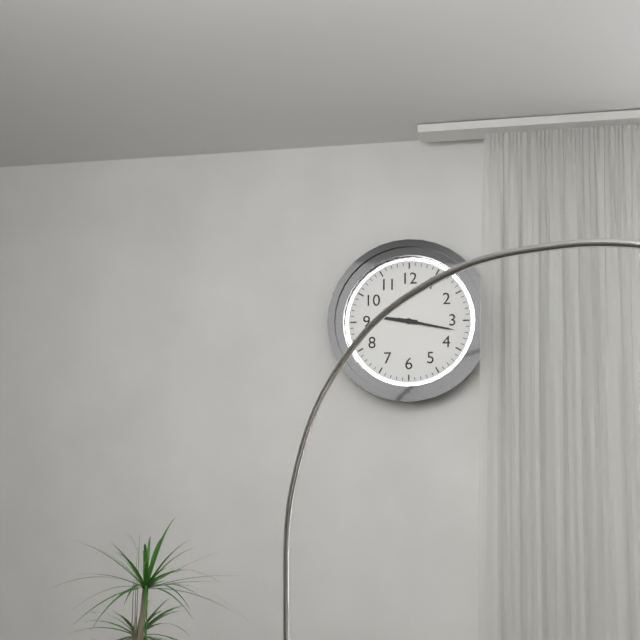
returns 9.17
